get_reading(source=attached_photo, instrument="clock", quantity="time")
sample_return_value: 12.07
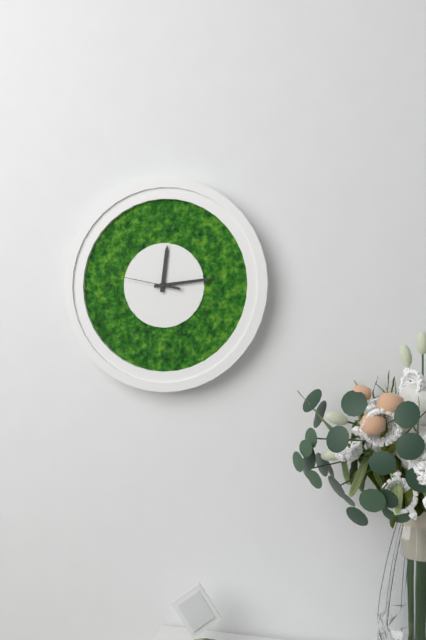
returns 12.14
